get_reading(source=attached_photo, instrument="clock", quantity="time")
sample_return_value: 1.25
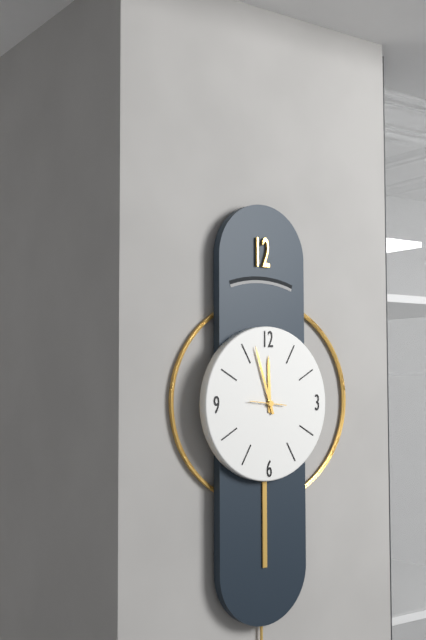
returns 11.57
